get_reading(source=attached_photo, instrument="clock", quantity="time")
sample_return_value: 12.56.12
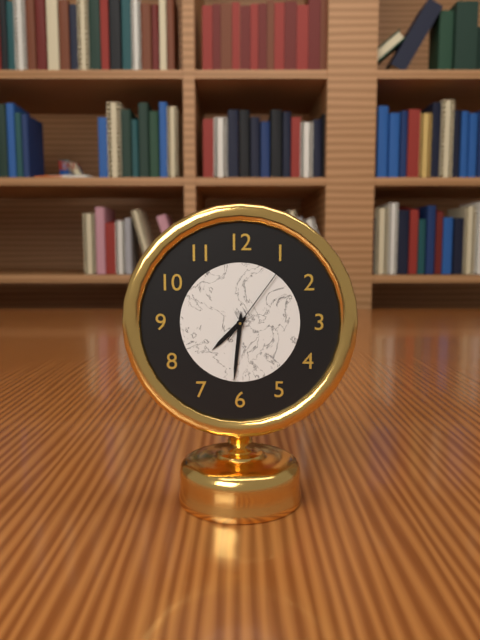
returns 7.31.06
